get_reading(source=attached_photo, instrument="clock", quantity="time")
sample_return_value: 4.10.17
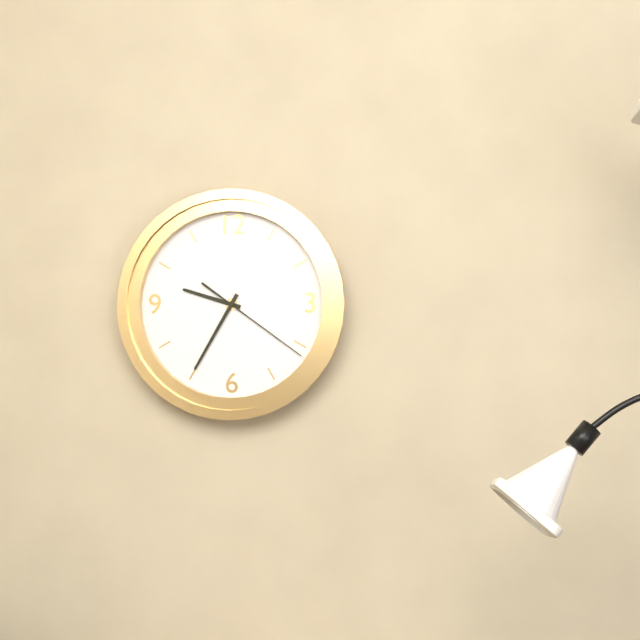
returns 9.35.21
